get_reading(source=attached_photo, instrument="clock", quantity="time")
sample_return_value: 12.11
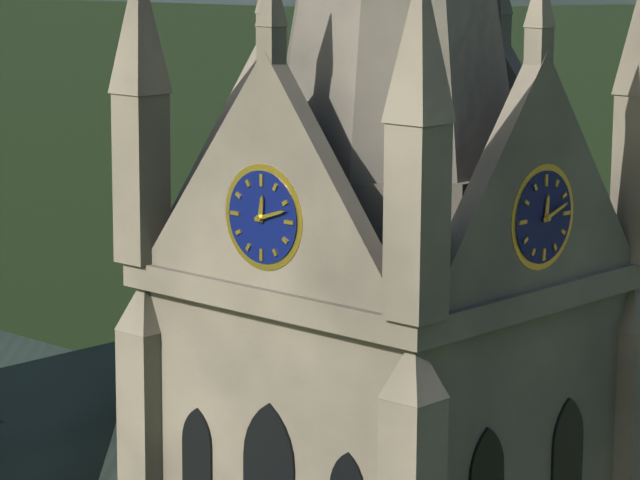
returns 12.12
